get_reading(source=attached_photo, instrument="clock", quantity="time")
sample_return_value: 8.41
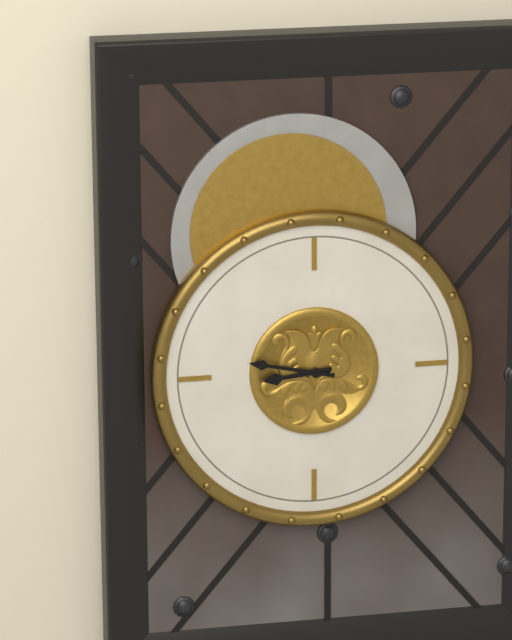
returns 8.47
